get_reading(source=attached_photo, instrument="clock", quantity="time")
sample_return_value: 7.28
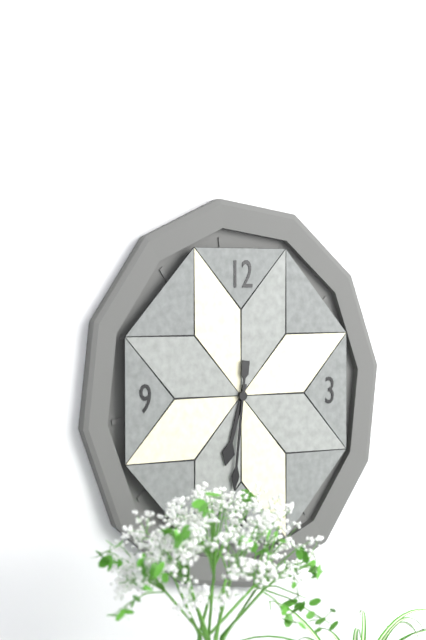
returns 6.31
